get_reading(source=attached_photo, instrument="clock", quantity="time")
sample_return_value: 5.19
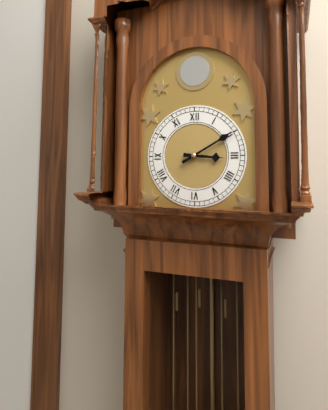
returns 3.10
